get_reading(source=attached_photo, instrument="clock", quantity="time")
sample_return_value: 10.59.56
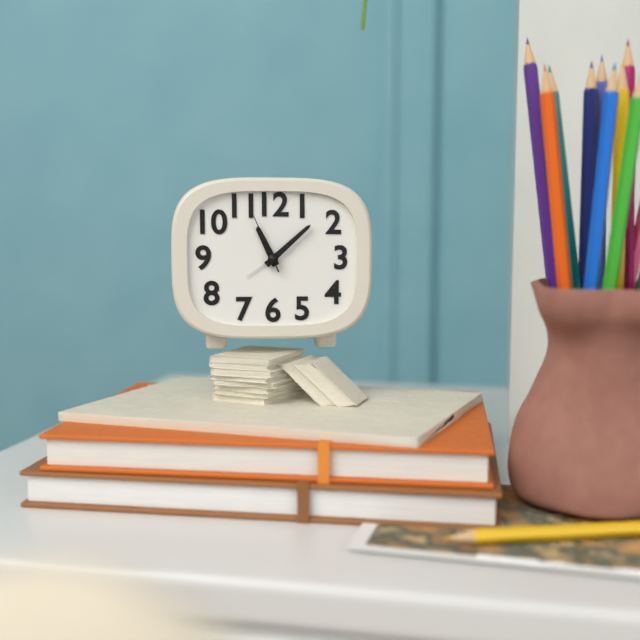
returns 11.08.56
